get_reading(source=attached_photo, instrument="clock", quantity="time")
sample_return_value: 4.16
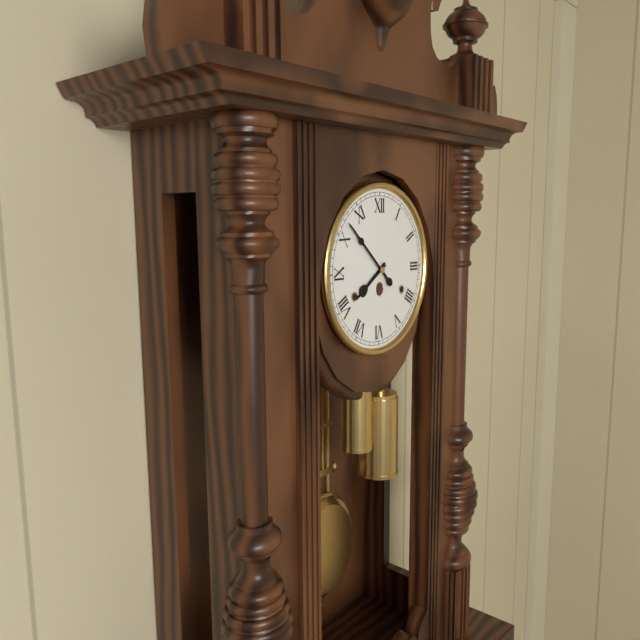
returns 7.52
